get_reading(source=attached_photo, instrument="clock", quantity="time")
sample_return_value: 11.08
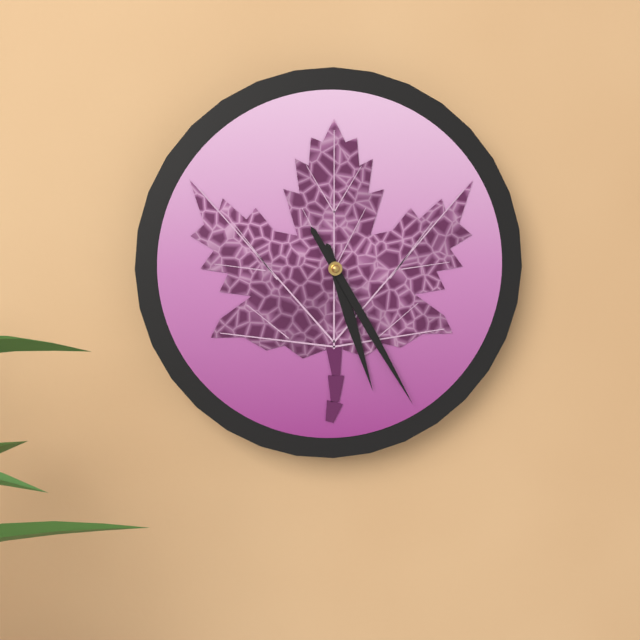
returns 5.25
